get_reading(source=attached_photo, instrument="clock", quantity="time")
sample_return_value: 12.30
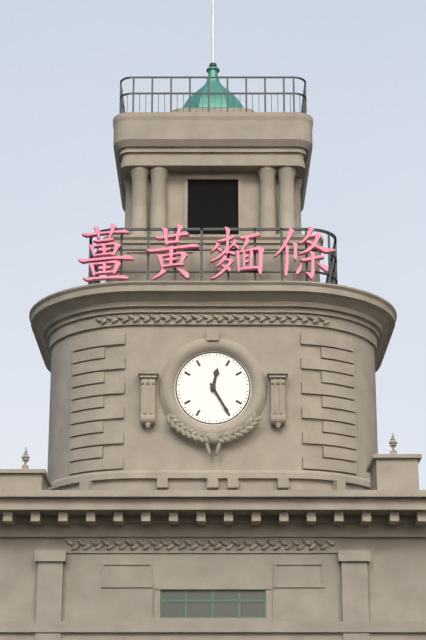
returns 12.25
